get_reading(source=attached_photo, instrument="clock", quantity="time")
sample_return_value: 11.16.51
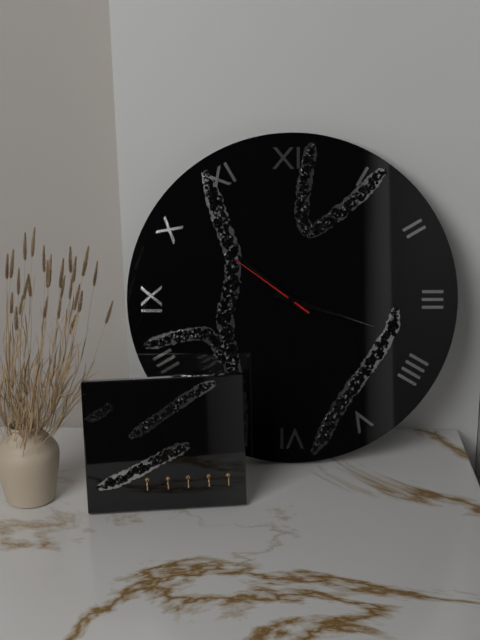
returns 10.18.51
